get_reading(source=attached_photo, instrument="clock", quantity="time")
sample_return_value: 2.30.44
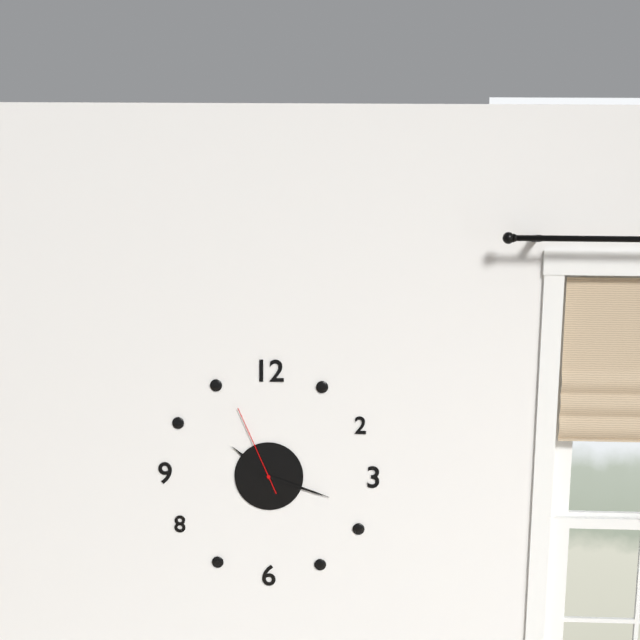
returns 10.18.56
